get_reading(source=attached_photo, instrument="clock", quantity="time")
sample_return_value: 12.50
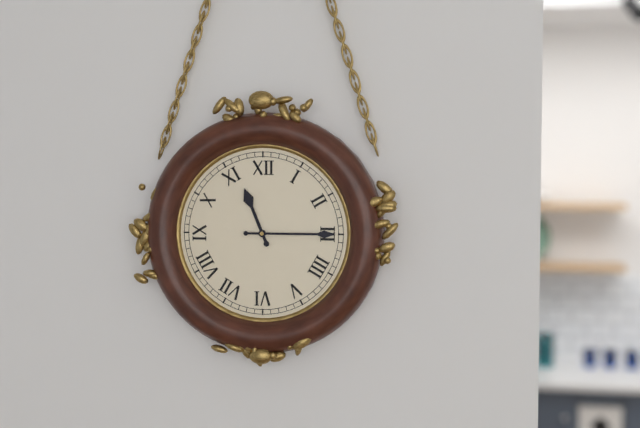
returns 11.15
